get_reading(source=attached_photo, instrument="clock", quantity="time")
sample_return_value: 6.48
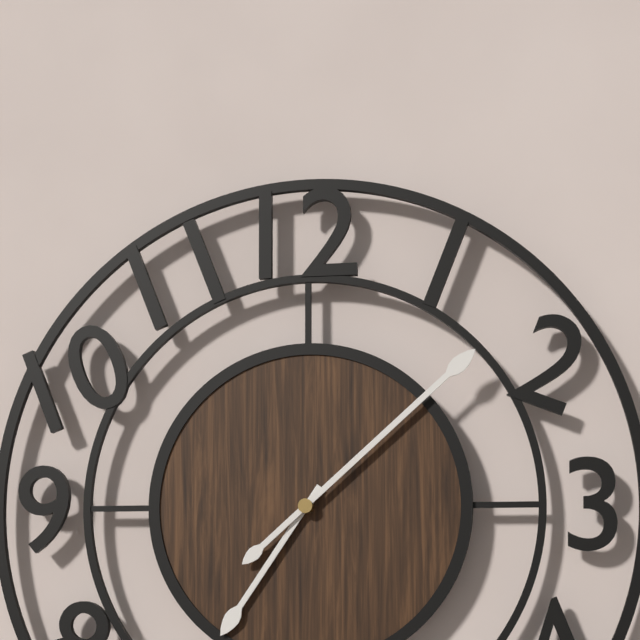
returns 7.08
